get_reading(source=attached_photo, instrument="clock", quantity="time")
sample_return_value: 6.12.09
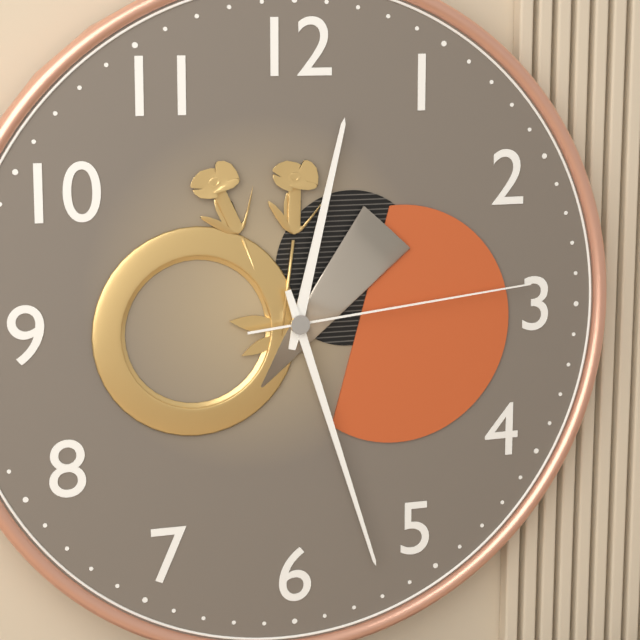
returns 12.27.14
